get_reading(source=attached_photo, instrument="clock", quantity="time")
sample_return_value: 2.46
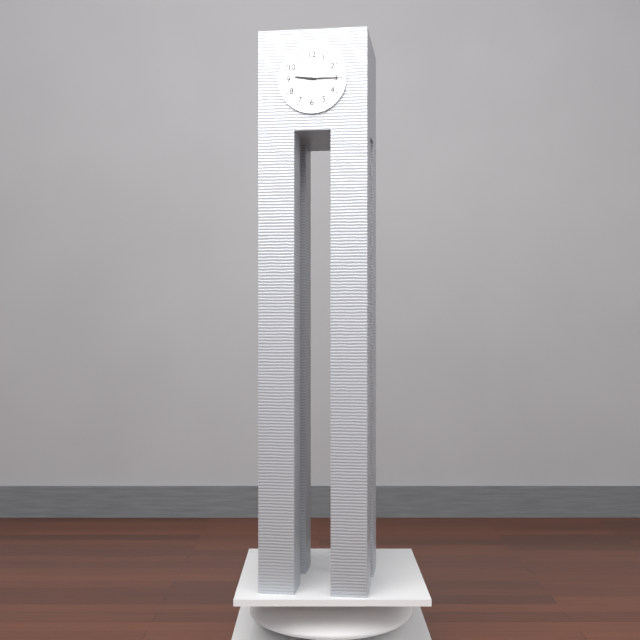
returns 9.15
